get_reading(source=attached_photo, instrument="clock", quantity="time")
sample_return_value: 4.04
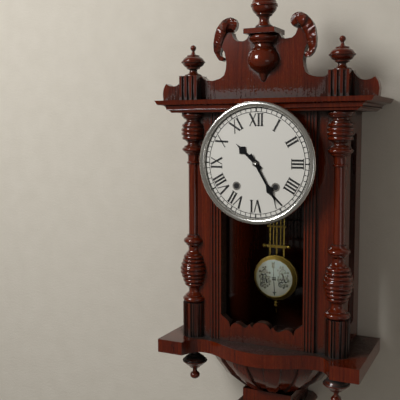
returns 10.25
